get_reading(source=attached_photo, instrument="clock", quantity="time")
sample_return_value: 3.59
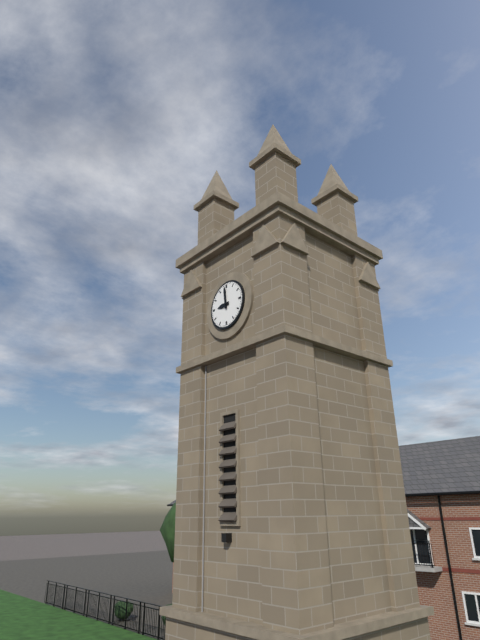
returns 8.59
